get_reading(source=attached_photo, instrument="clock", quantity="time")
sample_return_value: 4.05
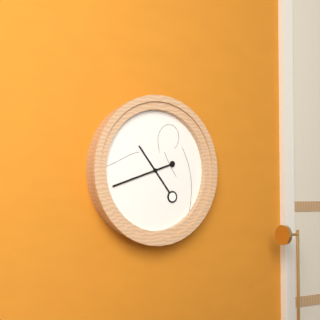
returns 10.42
